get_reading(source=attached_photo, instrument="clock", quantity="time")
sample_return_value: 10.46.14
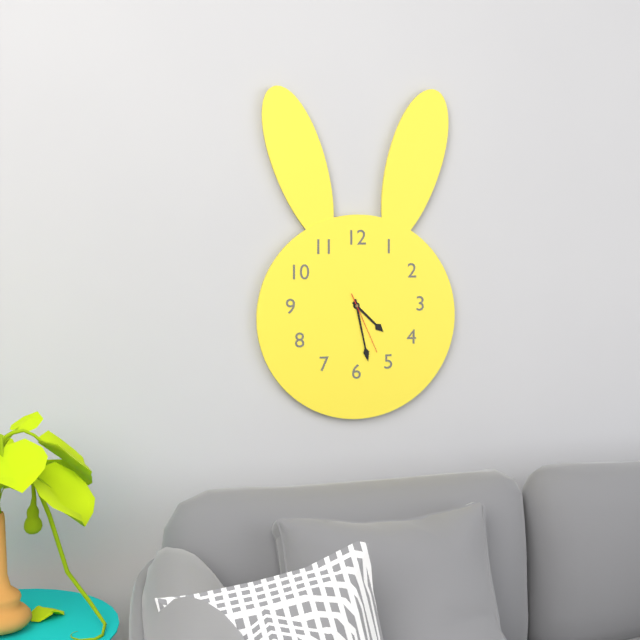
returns 4.28.26
